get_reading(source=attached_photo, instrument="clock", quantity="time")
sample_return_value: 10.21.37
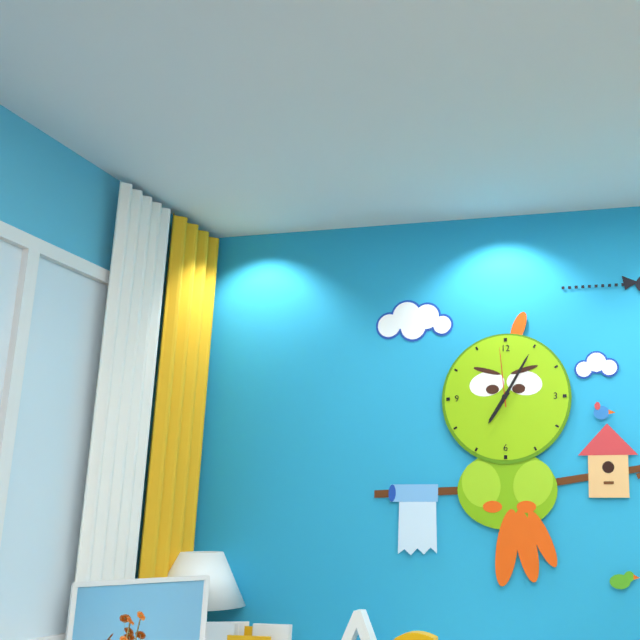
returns 7.05.59
